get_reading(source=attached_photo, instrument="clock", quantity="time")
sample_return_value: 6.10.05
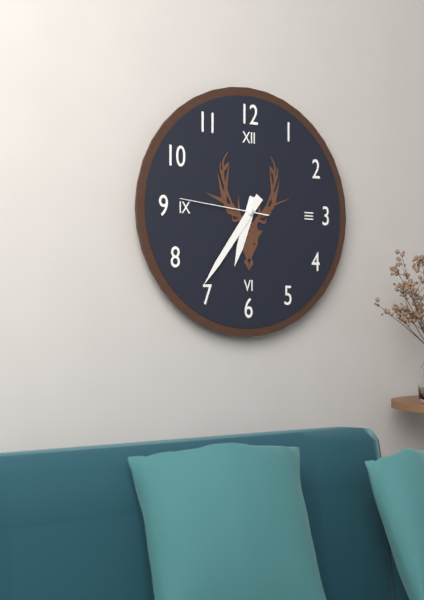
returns 6.36.46
